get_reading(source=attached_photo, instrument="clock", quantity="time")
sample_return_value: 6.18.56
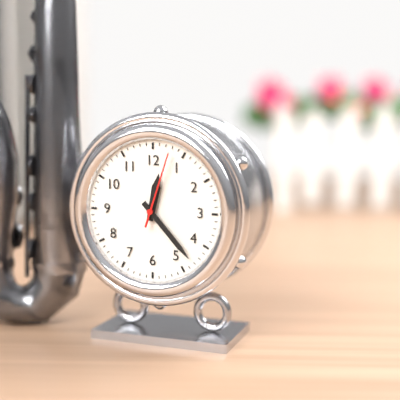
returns 12.23.03
